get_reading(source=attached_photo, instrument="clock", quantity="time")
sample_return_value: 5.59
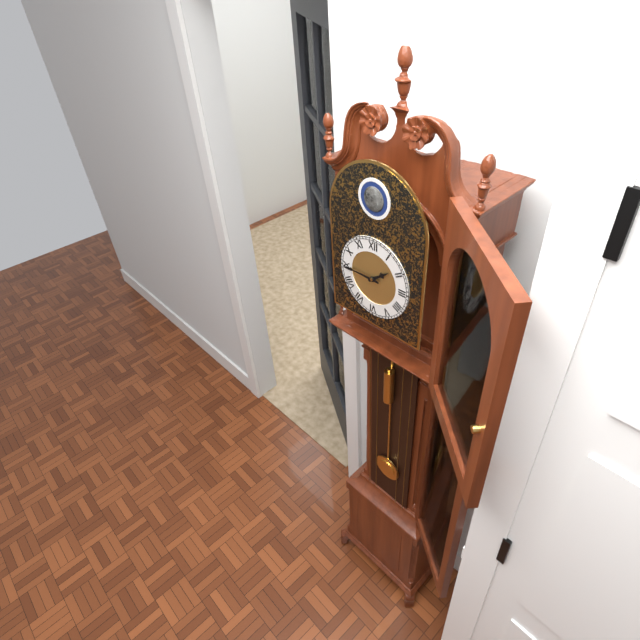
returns 1.45
